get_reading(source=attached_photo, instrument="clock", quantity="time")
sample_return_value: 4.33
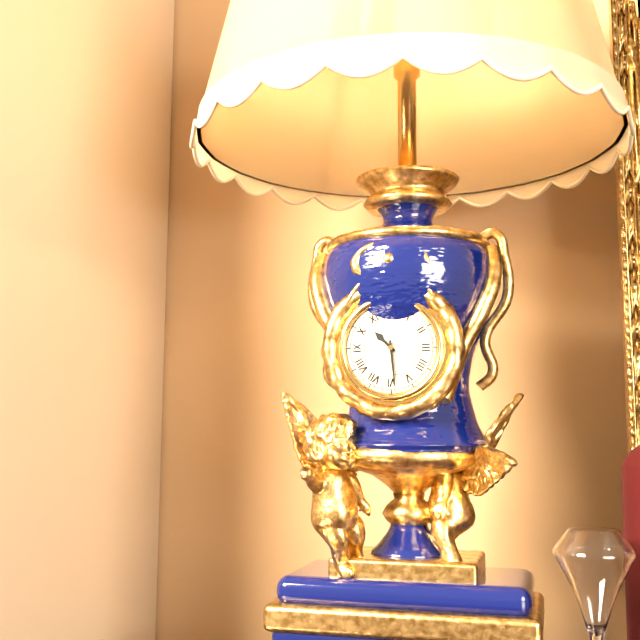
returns 10.29
